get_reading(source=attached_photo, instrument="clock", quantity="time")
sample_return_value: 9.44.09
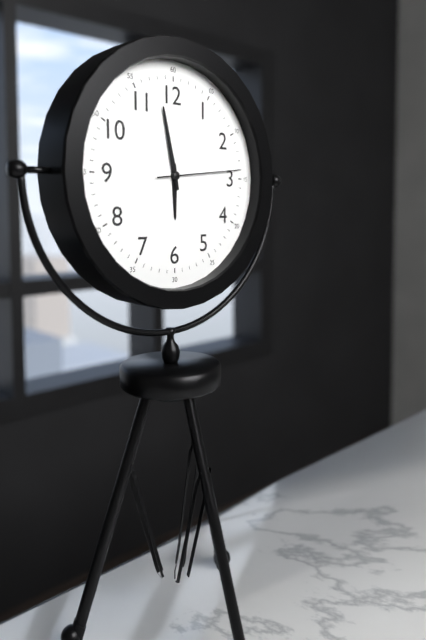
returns 5.58.14
